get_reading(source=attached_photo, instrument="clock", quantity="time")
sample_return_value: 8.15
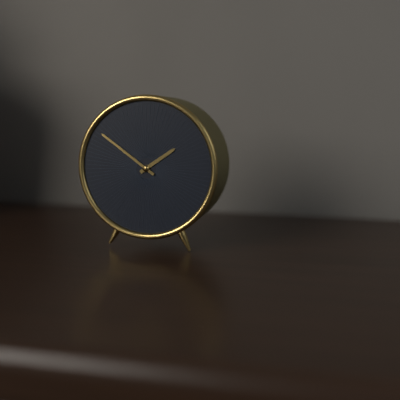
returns 1.51
